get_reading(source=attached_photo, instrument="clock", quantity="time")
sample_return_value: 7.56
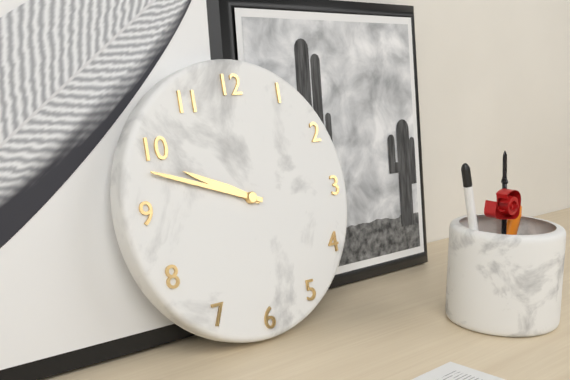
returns 9.48
